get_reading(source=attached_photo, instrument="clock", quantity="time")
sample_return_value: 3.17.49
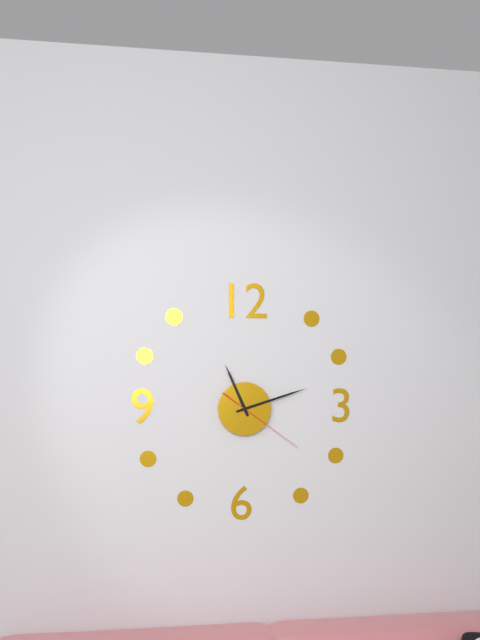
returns 11.12.21
